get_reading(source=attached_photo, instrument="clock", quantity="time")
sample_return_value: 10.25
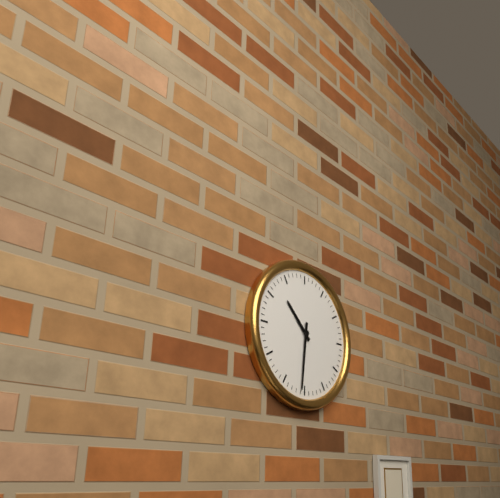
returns 10.31
